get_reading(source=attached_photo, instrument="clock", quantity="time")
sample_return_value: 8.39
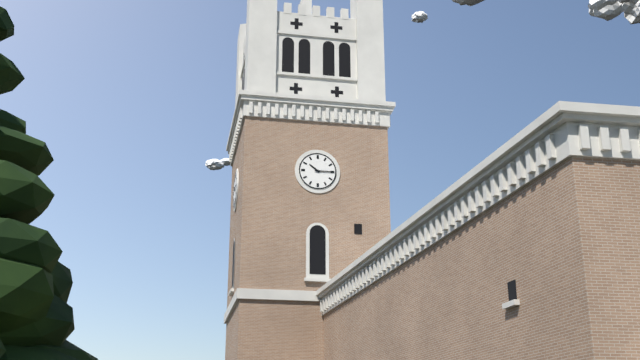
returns 10.15
